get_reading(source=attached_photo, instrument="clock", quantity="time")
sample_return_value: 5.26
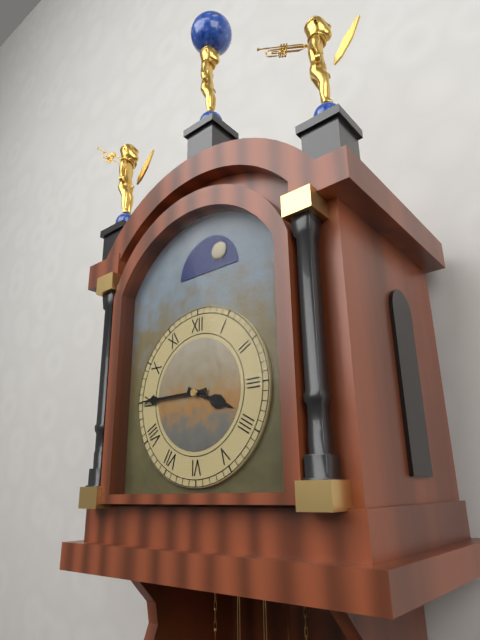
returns 3.45
